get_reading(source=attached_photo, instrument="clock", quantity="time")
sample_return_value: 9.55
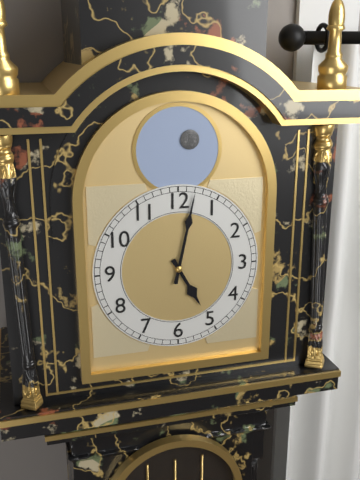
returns 5.02
